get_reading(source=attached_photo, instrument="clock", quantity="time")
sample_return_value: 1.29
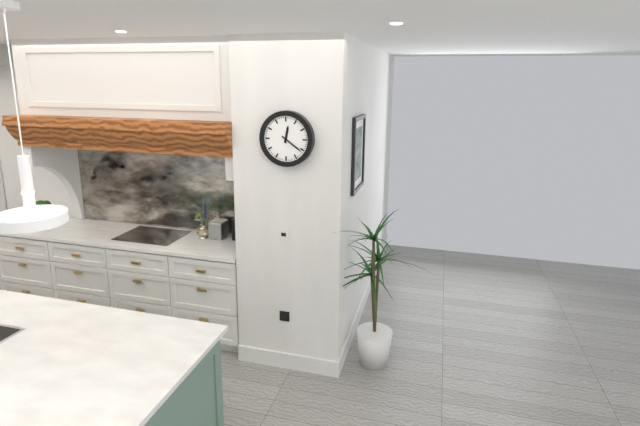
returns 12.21
